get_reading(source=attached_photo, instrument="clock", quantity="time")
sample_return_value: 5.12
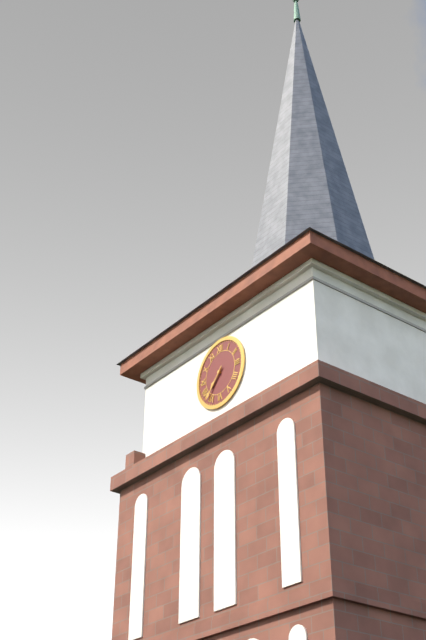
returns 7.37
